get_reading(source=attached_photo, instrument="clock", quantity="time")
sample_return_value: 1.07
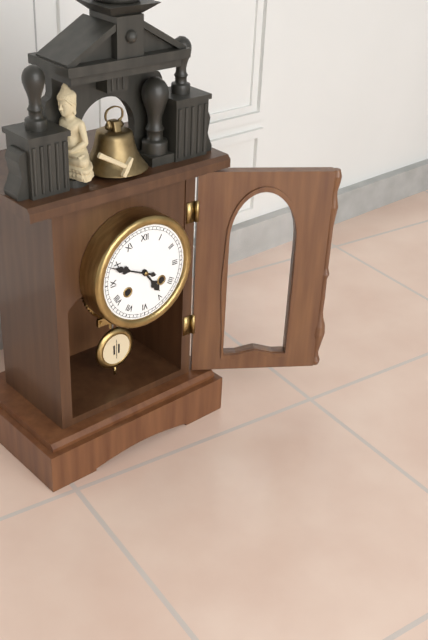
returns 4.49
